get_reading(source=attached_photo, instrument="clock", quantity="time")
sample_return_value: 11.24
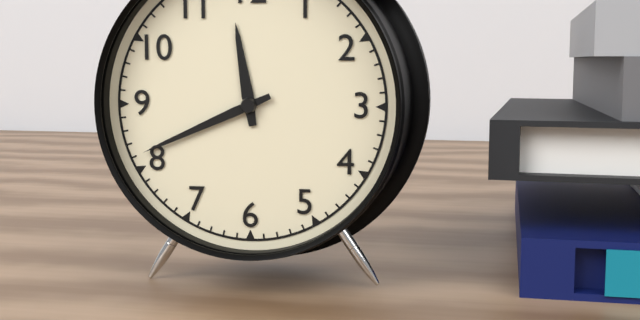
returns 11.41
